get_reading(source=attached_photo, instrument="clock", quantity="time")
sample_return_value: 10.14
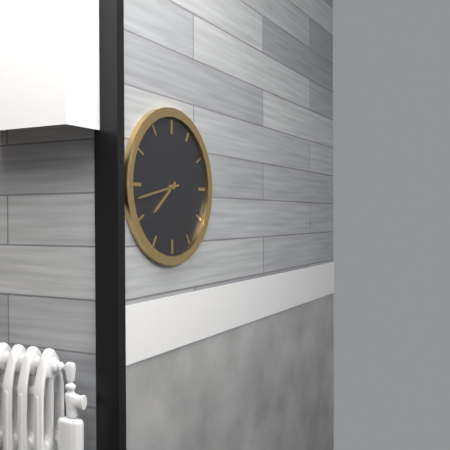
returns 7.43
